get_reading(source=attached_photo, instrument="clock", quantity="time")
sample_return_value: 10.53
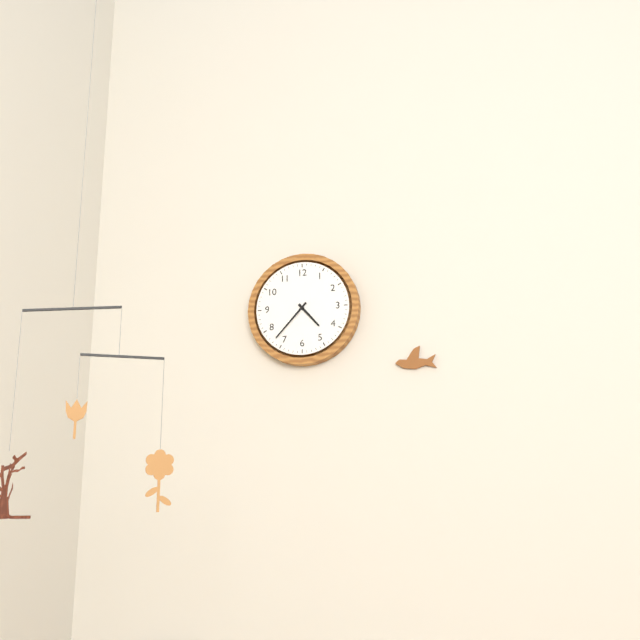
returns 4.37
